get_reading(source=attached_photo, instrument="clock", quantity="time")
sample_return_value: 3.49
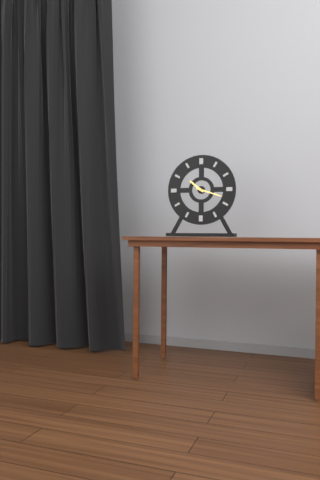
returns 10.18
